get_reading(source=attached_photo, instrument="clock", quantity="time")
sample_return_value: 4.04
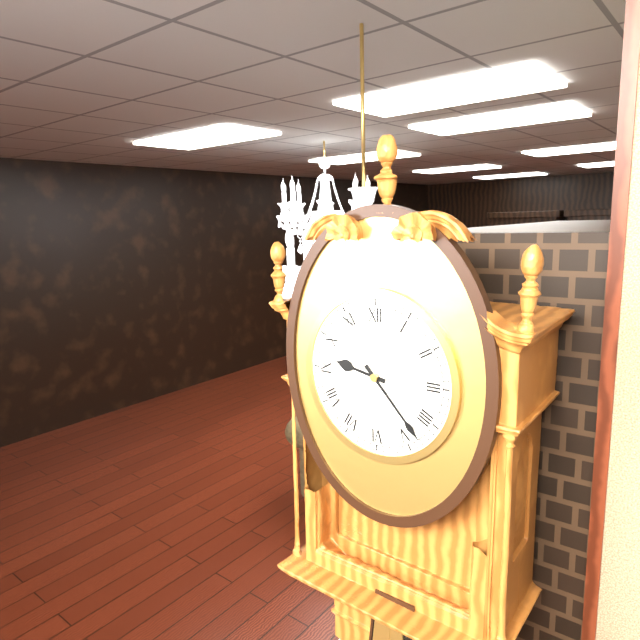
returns 9.23
